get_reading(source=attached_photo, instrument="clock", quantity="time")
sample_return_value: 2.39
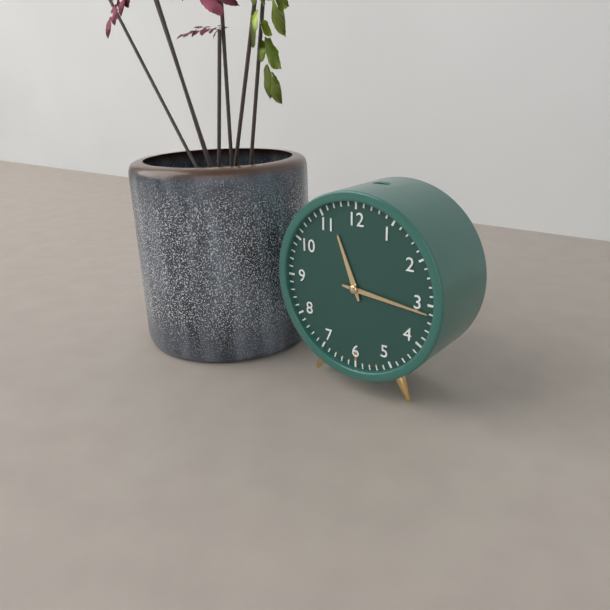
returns 11.16
